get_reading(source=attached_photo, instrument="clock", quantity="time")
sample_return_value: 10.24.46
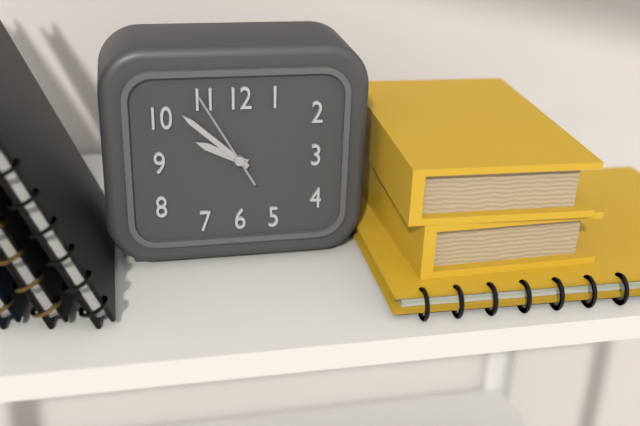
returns 9.52.55
